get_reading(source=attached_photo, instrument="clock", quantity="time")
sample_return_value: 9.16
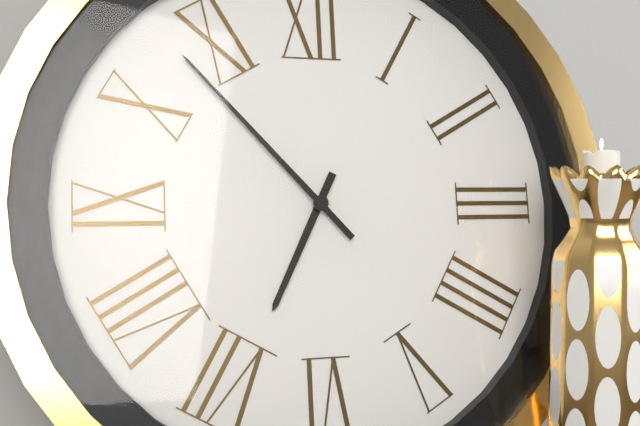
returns 6.53
